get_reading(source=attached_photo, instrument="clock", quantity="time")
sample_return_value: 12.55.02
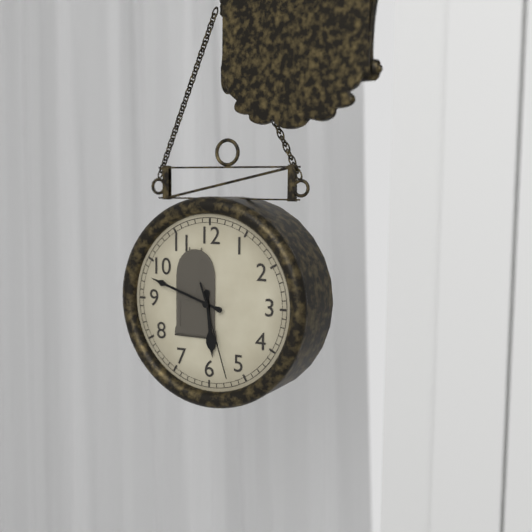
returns 5.48.27
